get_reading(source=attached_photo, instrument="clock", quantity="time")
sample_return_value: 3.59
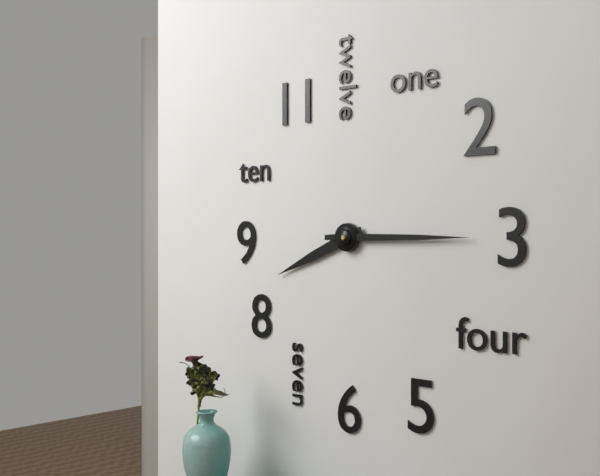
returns 8.15
